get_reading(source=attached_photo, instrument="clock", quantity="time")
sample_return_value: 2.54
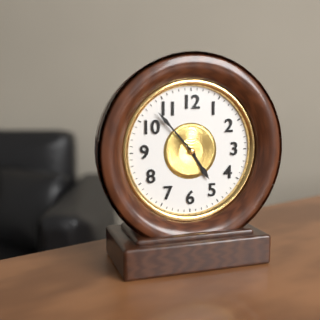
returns 4.53
